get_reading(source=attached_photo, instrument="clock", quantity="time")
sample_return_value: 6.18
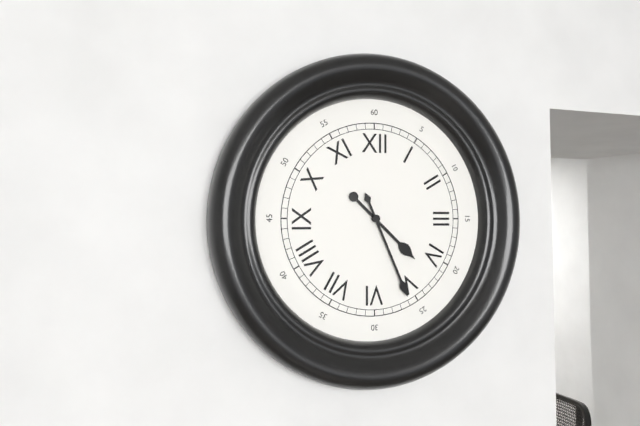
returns 4.26
